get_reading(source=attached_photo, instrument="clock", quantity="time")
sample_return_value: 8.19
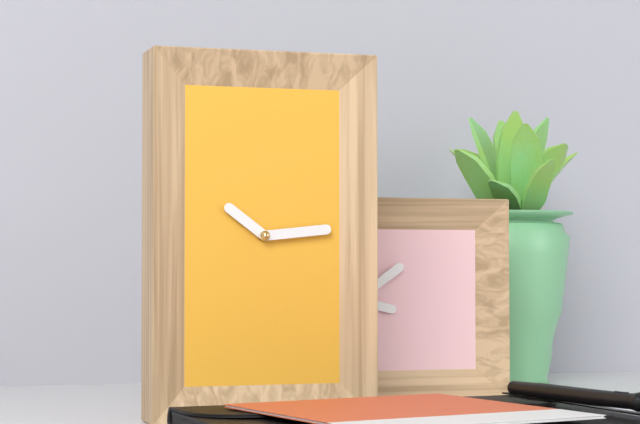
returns 10.14
